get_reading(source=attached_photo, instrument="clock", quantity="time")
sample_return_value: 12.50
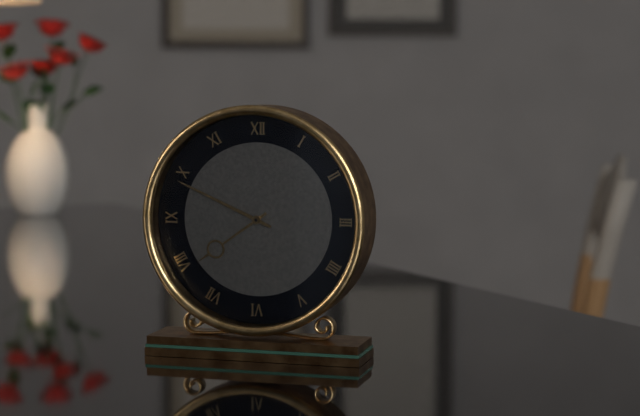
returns 7.49
